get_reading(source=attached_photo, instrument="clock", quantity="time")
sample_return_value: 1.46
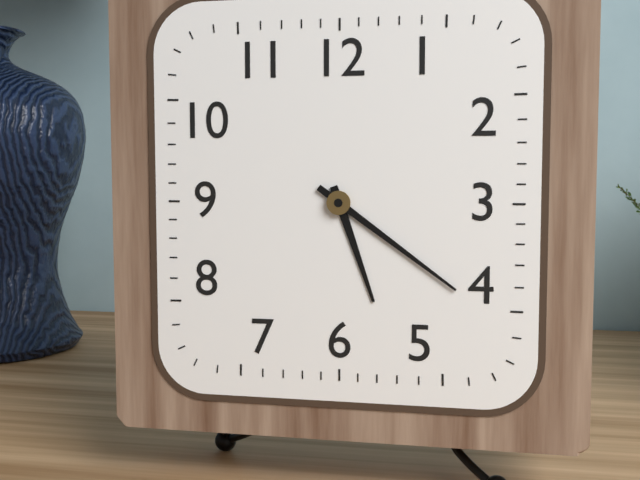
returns 5.21
